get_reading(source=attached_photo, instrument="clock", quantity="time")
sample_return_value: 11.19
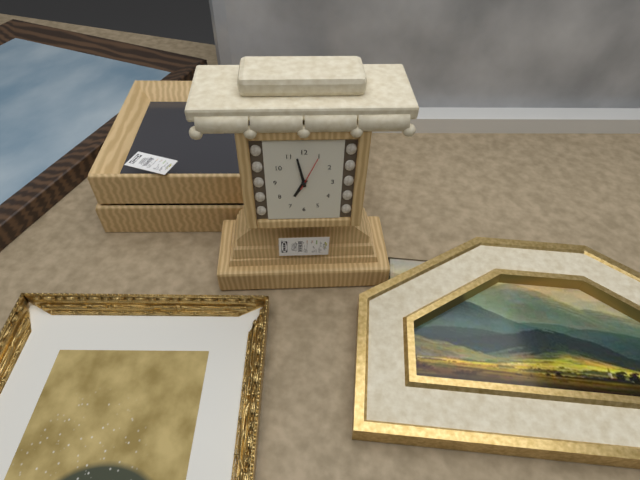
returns 6.58
